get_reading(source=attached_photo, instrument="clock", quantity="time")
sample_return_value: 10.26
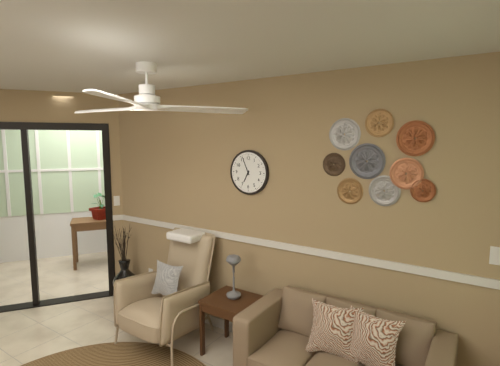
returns 6.56
